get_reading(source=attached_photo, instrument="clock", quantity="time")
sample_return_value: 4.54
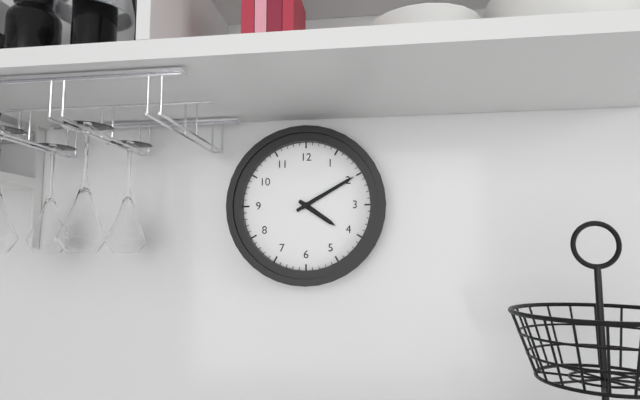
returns 4.10
